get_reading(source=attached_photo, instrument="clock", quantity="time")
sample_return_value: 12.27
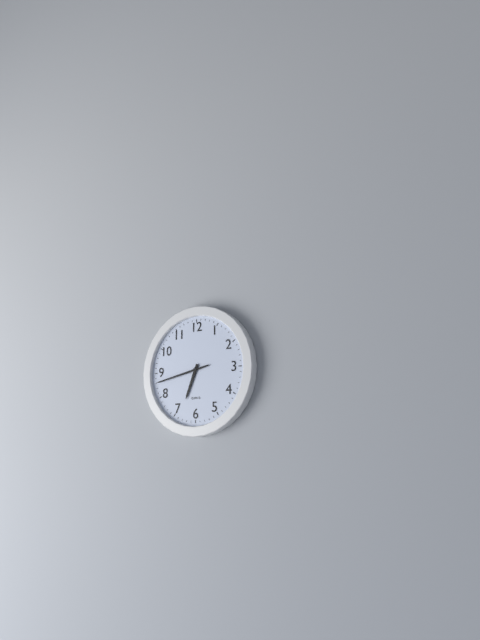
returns 6.43
